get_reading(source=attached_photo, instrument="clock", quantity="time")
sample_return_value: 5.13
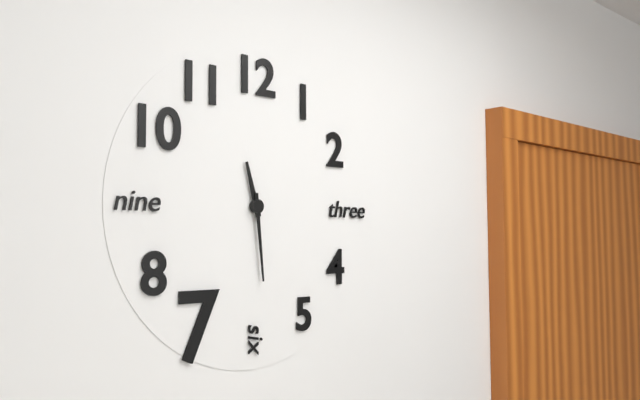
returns 11.29
